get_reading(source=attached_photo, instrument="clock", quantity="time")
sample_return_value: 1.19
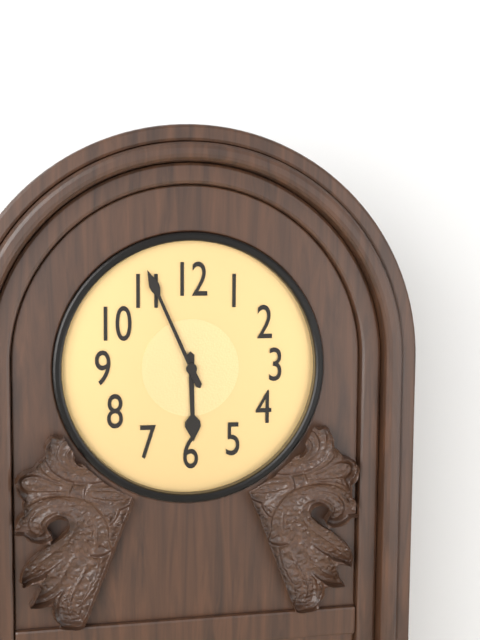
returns 5.56
